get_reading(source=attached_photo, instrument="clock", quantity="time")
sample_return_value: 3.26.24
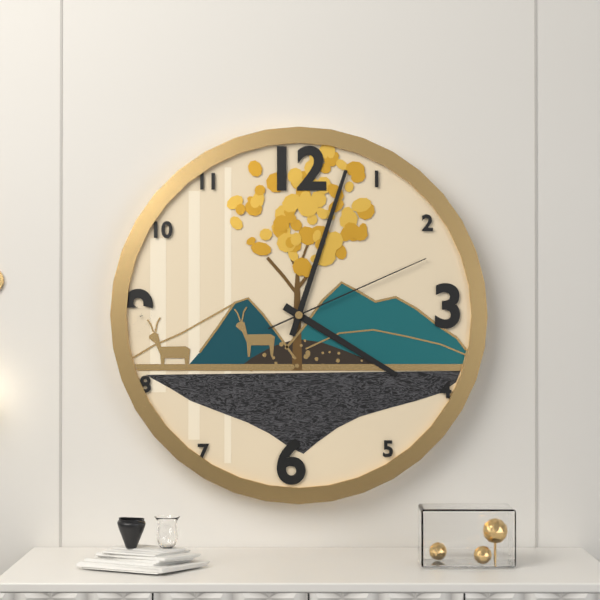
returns 4.03.11
